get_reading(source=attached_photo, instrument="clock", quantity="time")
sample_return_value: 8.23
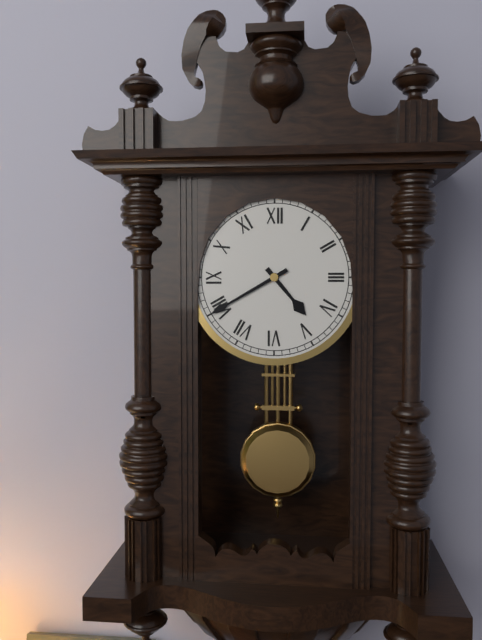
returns 4.40
